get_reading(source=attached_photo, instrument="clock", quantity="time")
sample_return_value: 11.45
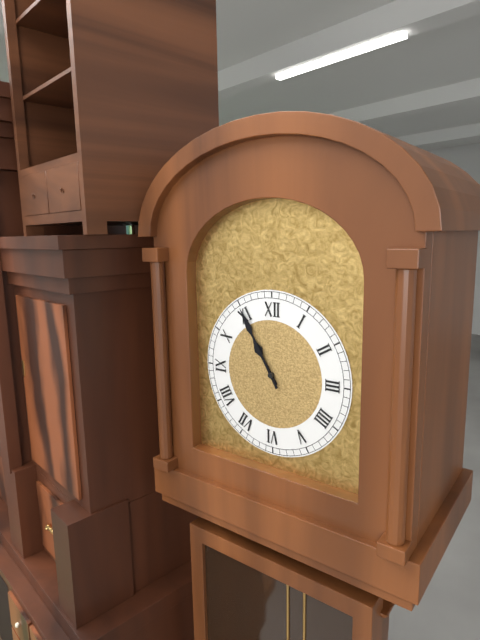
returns 10.55
